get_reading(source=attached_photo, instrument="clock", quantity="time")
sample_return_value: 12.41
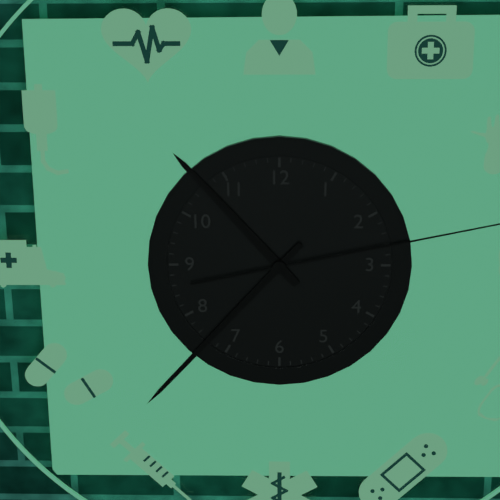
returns 10.37
